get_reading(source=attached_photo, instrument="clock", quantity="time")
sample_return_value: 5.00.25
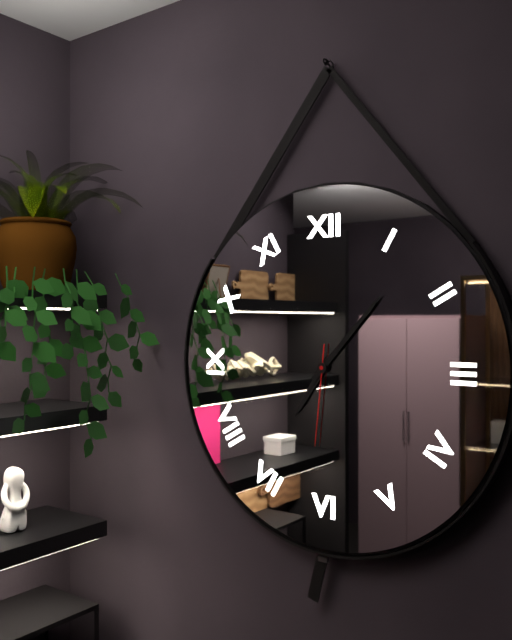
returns 7.07.31
